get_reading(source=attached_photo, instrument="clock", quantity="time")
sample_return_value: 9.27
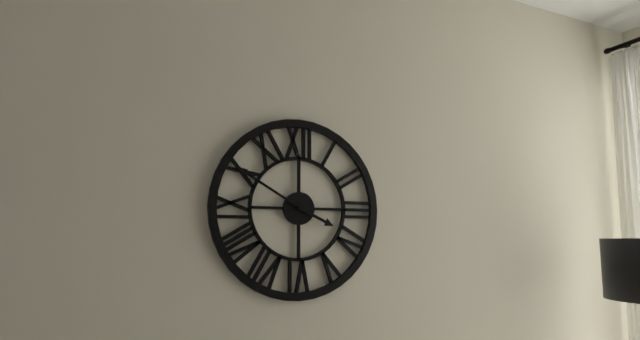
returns 3.50
